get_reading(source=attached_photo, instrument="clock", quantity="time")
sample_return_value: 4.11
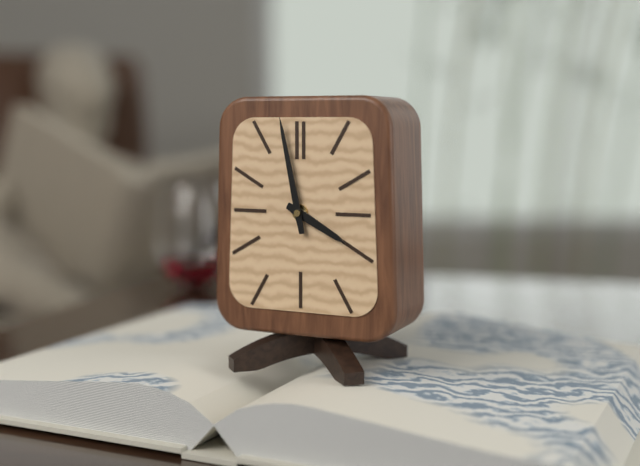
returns 3.58
